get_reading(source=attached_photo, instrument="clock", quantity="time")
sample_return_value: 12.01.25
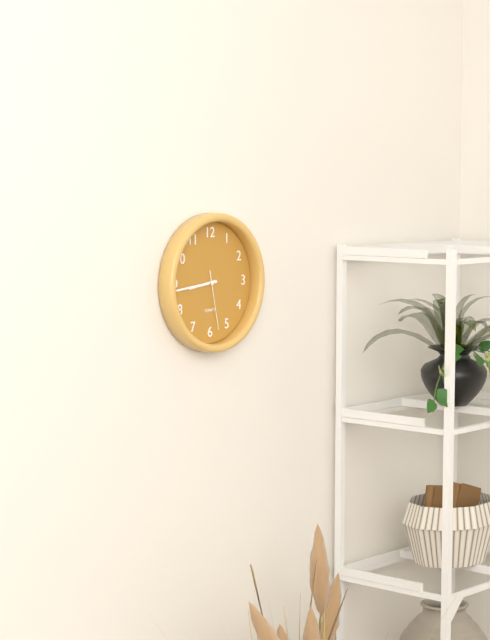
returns 8.44.28
